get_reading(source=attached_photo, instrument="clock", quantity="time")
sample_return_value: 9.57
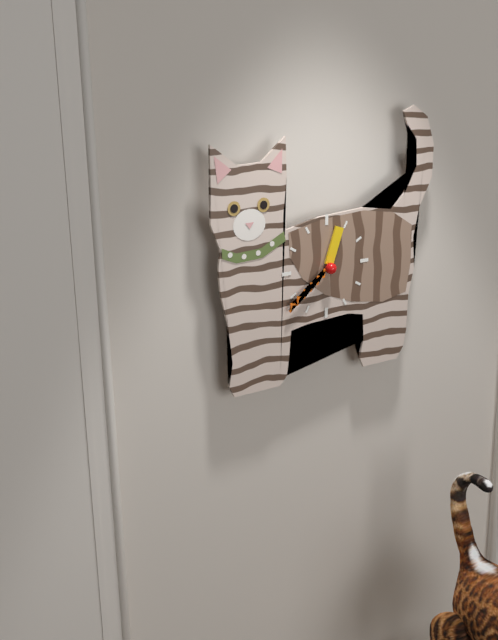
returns 12.39
